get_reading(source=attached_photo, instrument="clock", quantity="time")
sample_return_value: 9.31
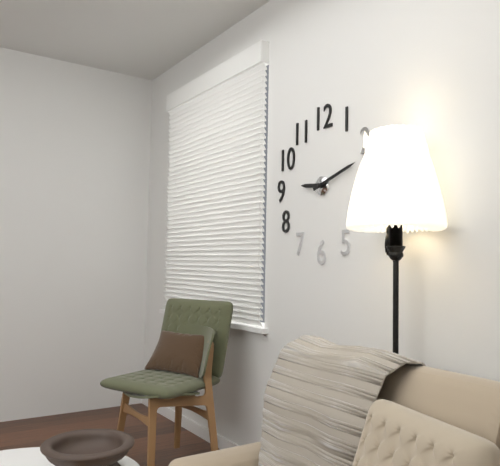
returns 9.12
